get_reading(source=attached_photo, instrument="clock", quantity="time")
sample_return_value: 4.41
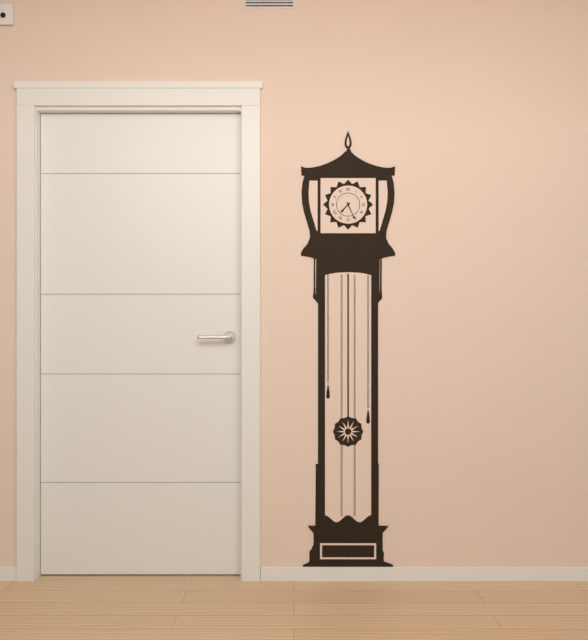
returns 7.26
